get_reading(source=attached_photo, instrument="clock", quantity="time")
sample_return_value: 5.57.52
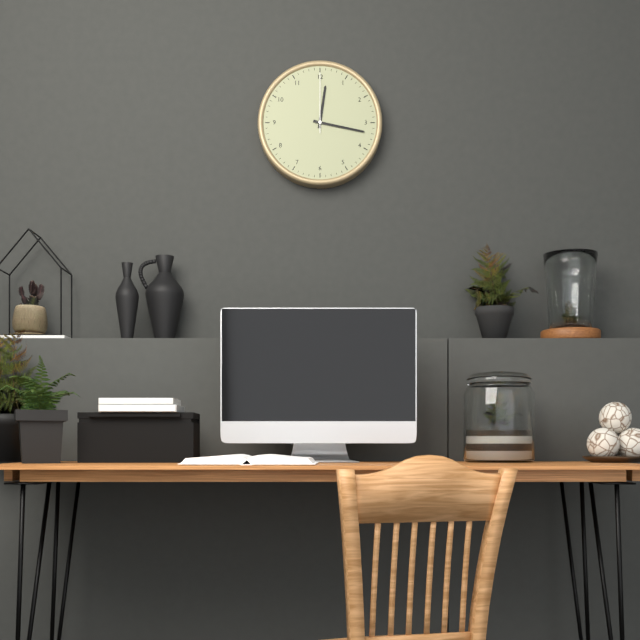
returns 12.17.00
